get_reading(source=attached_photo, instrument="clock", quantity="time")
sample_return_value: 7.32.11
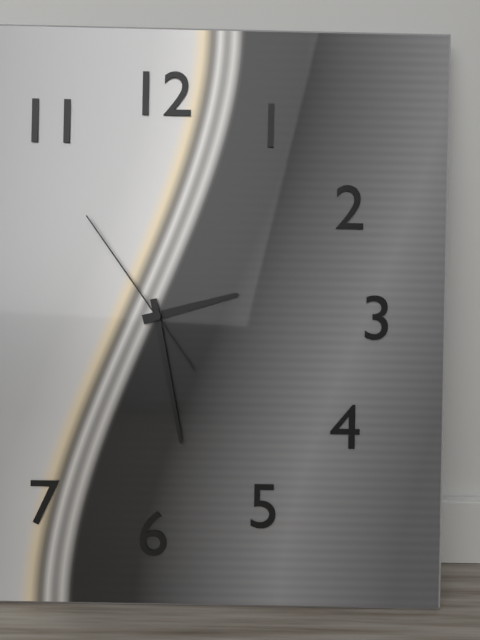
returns 2.28.54
